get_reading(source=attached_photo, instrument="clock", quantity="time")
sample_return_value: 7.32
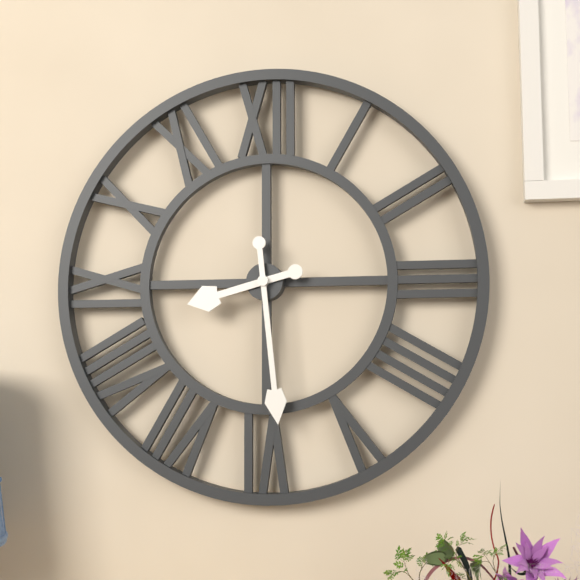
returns 8.29
